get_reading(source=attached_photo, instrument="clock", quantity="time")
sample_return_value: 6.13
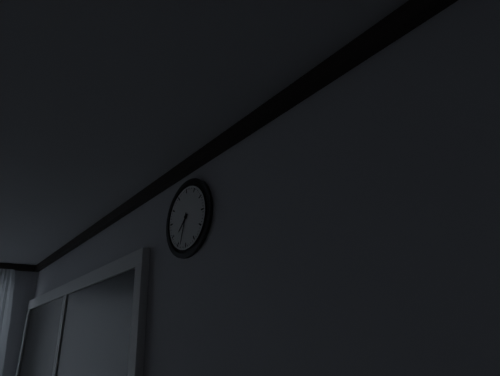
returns 7.33
